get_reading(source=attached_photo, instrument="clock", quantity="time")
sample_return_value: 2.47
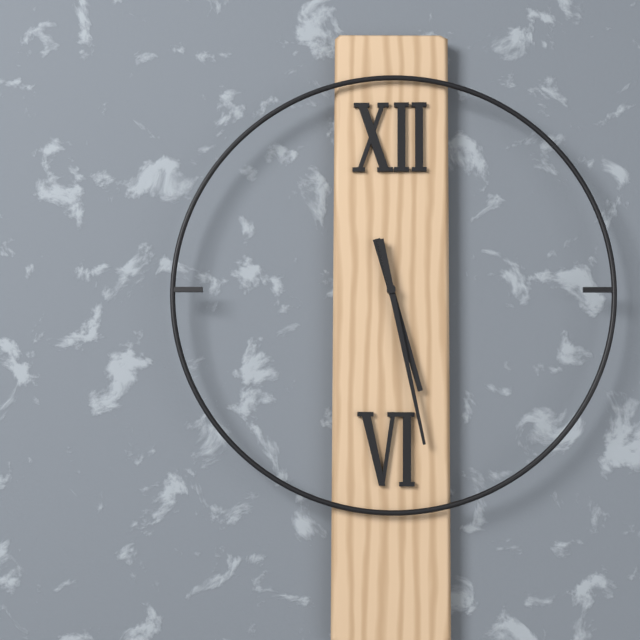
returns 5.28
